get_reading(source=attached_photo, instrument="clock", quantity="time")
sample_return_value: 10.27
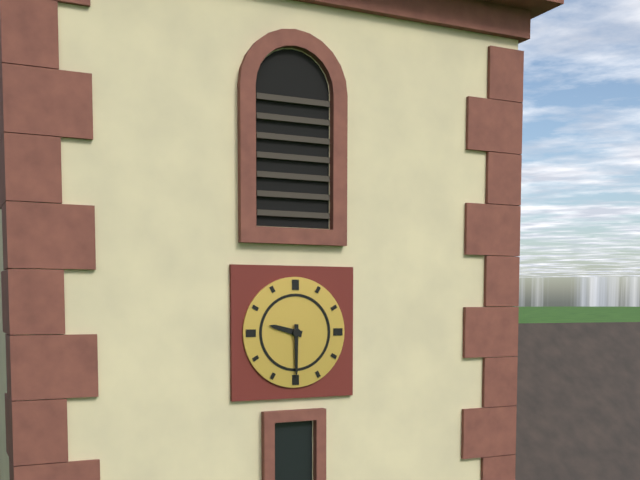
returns 9.30
